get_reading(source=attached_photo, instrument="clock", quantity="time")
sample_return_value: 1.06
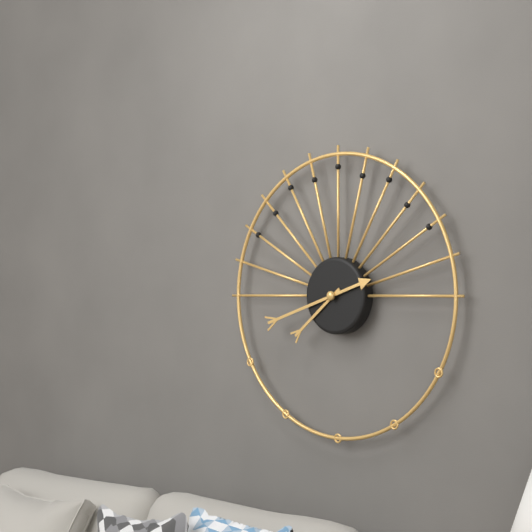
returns 7.42
